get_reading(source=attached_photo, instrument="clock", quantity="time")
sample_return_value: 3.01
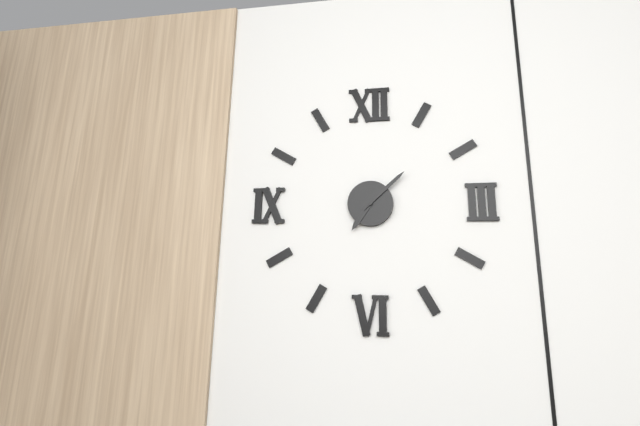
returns 7.08
